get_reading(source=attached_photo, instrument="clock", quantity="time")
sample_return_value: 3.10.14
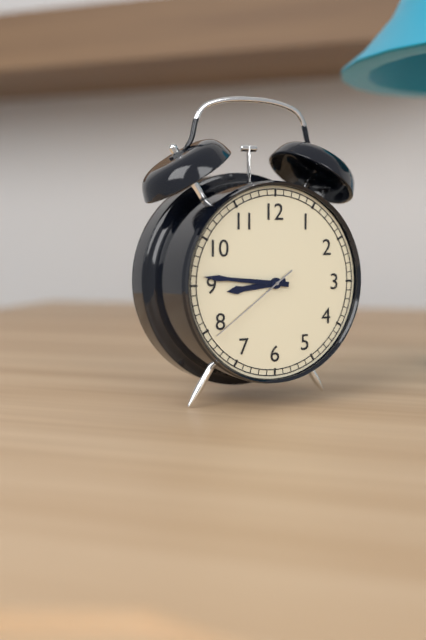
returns 8.46.39
